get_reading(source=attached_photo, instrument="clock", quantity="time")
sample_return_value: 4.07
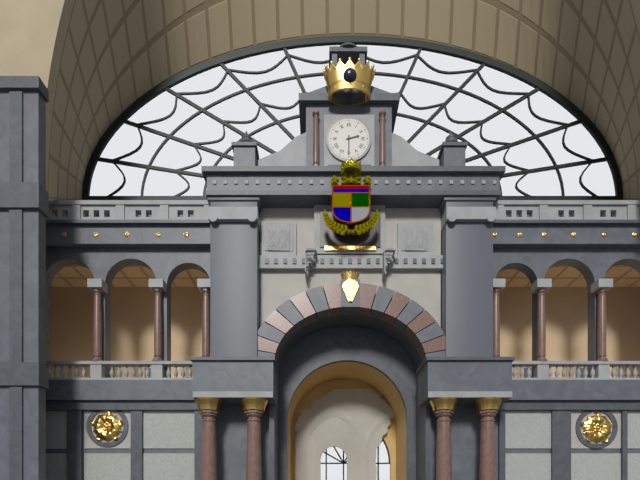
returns 2.30
